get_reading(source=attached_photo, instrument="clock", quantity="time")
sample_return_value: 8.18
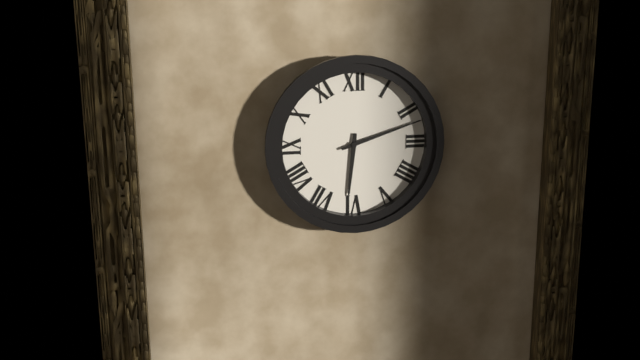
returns 6.12
